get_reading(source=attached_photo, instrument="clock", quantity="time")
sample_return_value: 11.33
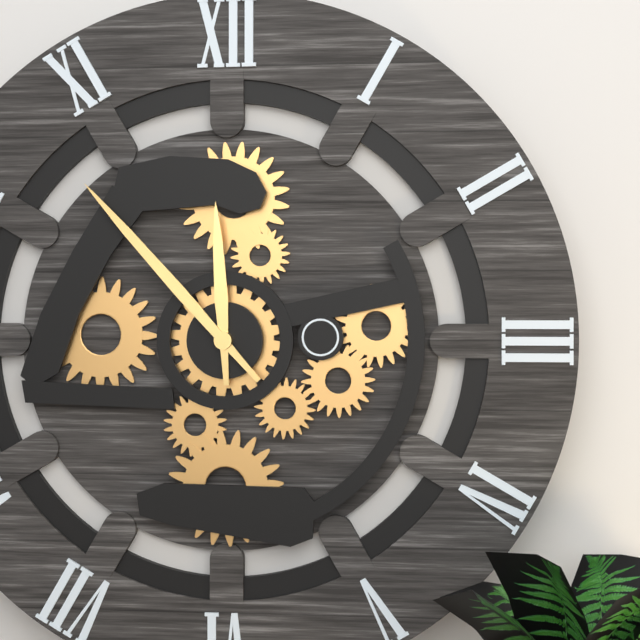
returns 11.53
